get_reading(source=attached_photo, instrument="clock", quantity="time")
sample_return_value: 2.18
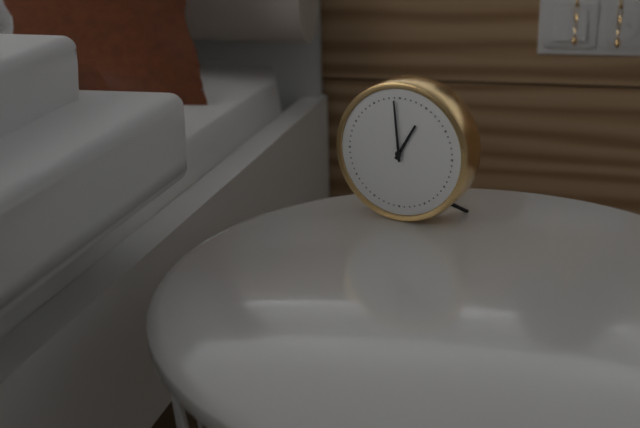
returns 12.59
